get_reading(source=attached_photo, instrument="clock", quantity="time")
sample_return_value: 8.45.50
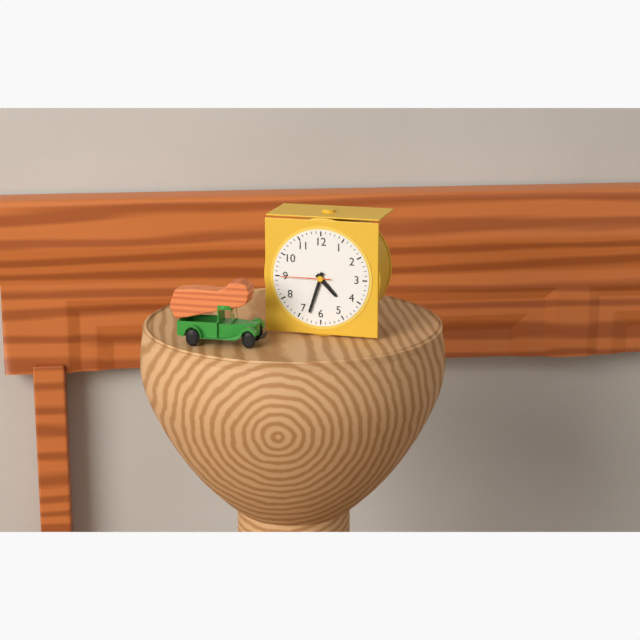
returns 4.33.45
